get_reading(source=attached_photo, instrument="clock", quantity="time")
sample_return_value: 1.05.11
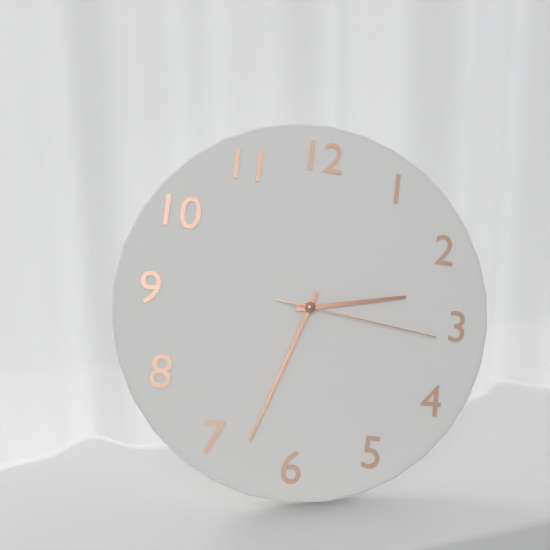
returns 2.33.16
